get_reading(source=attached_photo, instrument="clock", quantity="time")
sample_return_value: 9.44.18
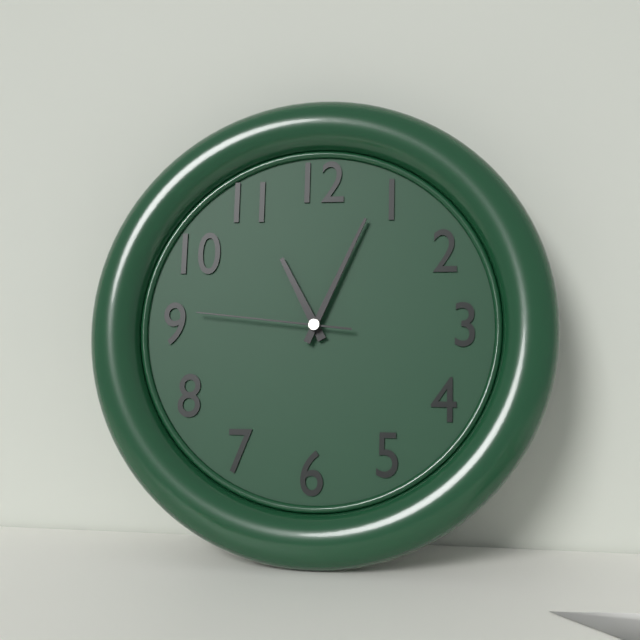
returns 11.04.46
